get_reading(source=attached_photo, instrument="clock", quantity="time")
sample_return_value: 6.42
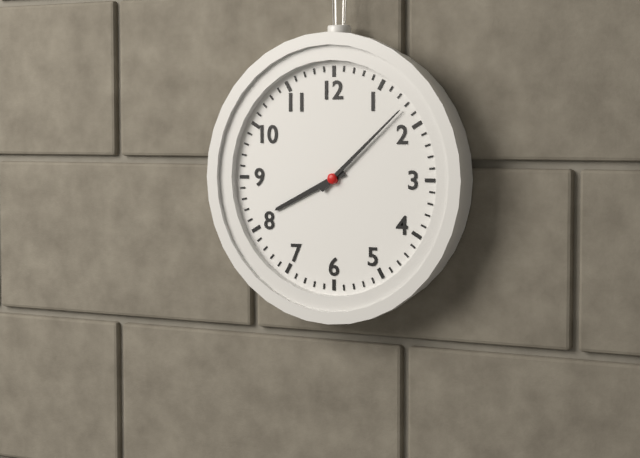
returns 8.08
